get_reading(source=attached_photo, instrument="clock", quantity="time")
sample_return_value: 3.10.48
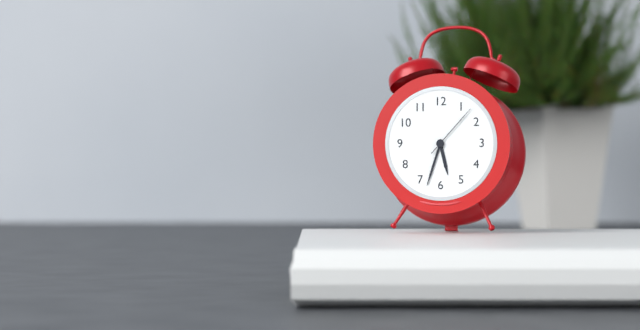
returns 5.33.07
